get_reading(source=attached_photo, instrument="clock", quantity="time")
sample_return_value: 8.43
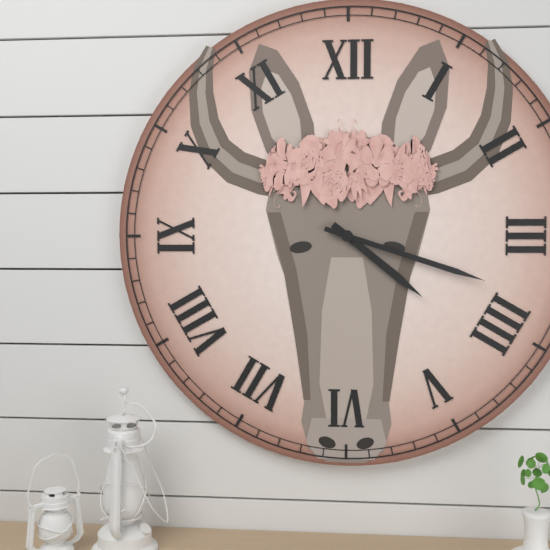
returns 4.18
